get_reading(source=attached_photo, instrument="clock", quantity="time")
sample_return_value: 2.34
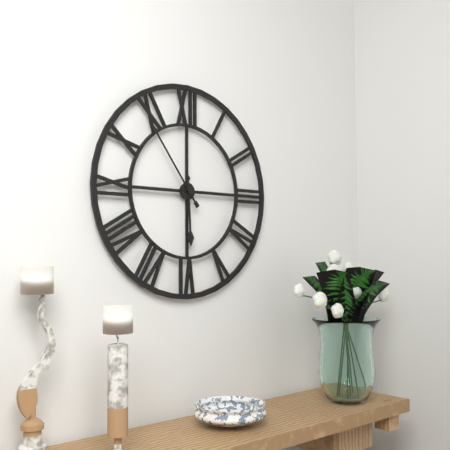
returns 5.54
